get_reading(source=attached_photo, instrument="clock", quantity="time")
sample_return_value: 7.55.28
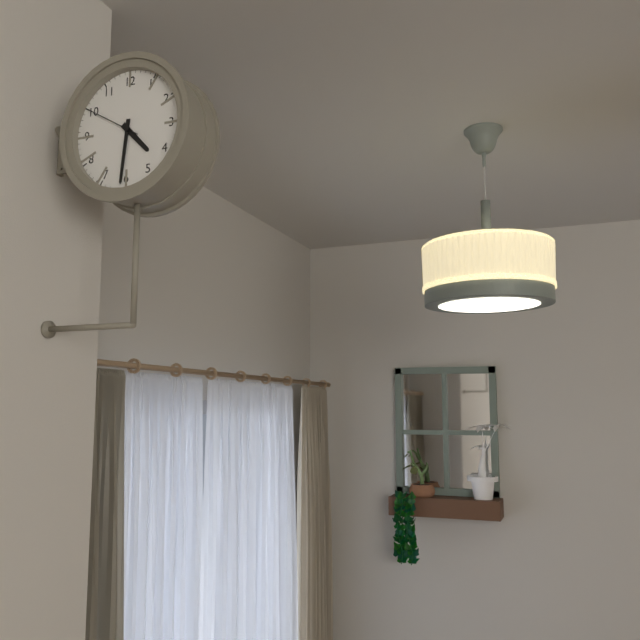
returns 4.31.50
